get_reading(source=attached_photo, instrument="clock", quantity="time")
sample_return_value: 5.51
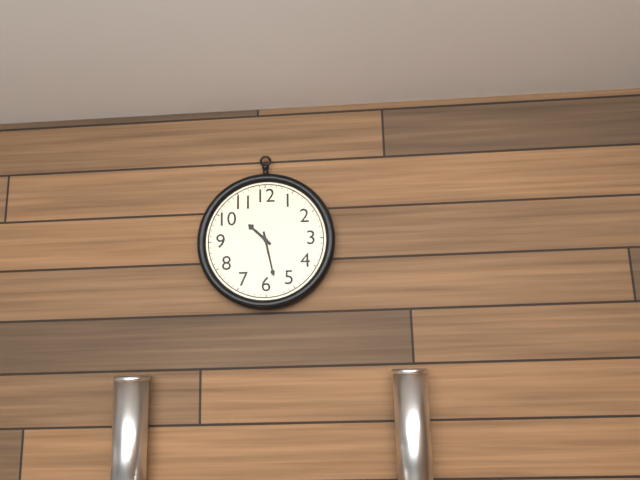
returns 10.28
